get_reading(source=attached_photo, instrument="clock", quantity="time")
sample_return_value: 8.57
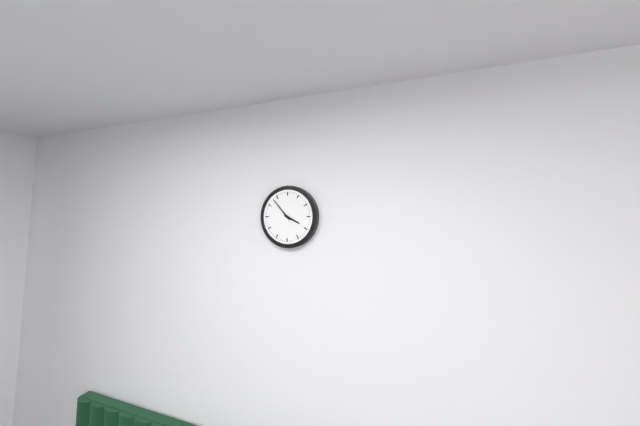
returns 3.53
